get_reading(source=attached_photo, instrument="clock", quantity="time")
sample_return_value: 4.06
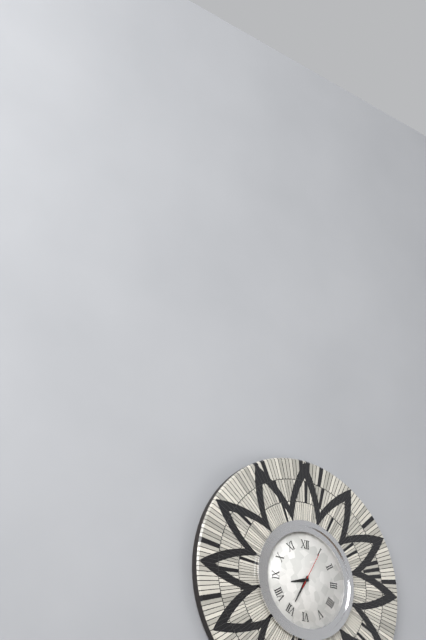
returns 8.35
